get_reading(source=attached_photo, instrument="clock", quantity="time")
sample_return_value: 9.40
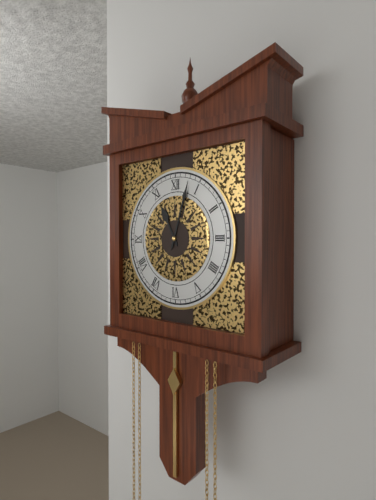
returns 11.03
